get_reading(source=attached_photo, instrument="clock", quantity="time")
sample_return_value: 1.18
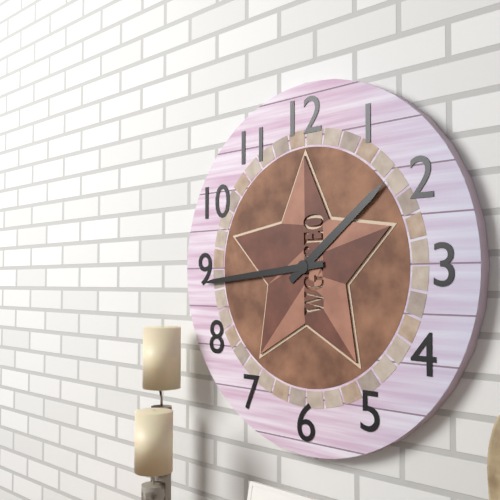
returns 1.44
